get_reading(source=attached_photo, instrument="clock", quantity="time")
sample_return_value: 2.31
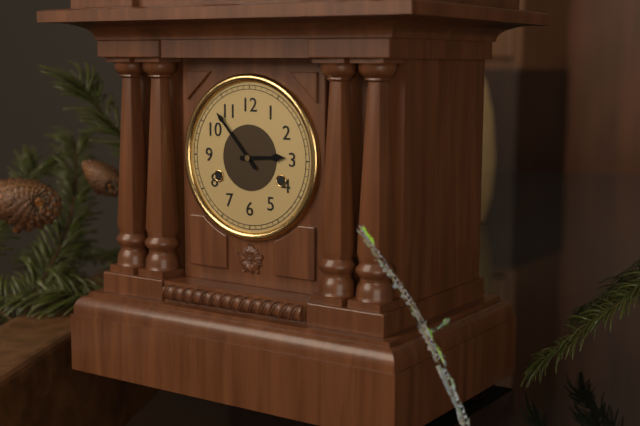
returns 2.53
